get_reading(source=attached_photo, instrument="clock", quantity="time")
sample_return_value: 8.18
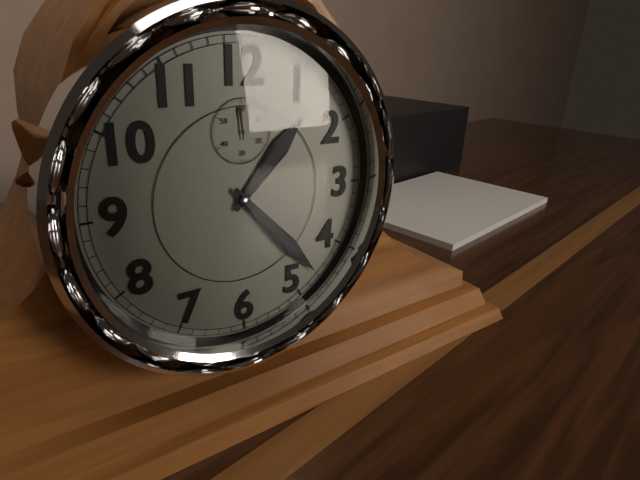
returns 1.23
